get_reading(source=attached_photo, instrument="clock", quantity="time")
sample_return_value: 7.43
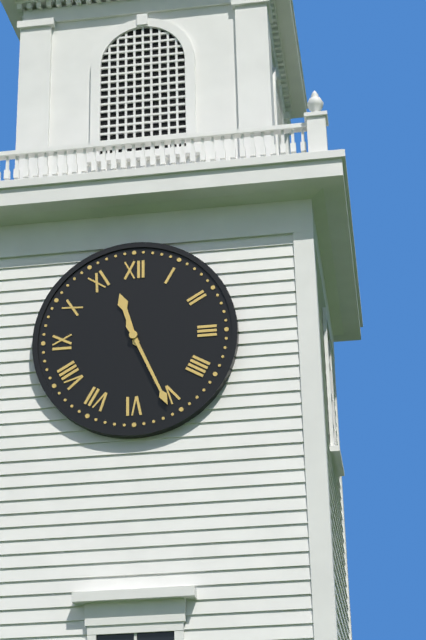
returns 11.26
